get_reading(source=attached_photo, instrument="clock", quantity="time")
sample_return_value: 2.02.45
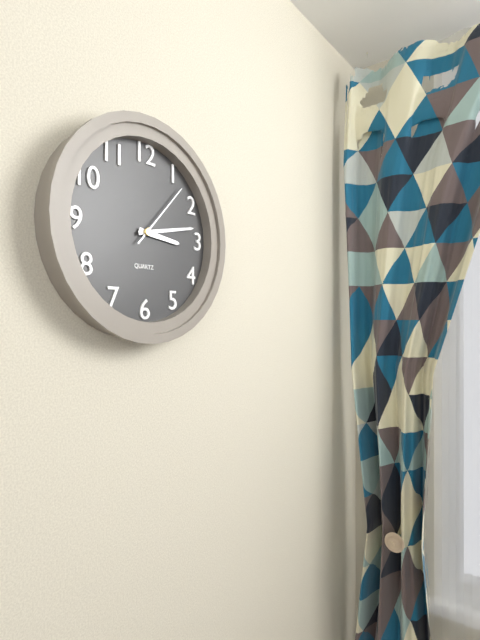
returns 3.13.07
